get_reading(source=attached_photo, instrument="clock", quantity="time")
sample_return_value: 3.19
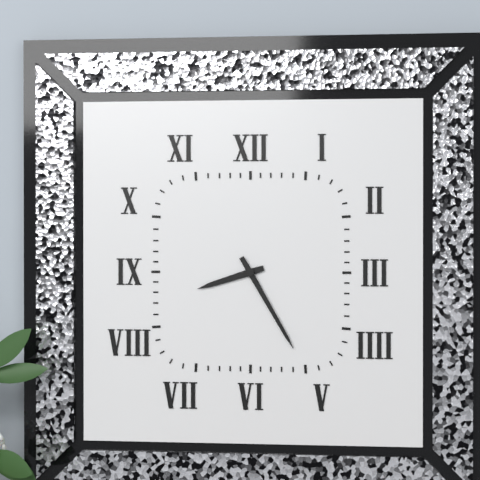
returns 8.25
